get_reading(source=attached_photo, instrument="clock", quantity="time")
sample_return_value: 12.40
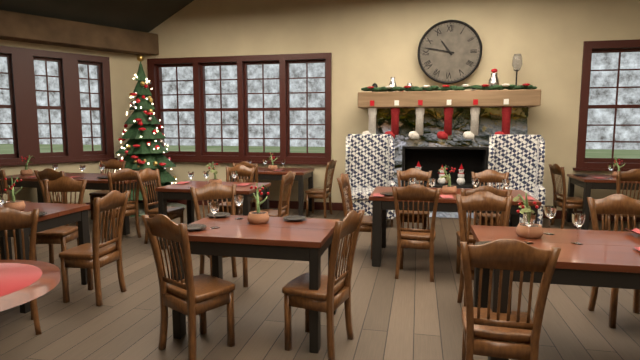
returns 10.47
